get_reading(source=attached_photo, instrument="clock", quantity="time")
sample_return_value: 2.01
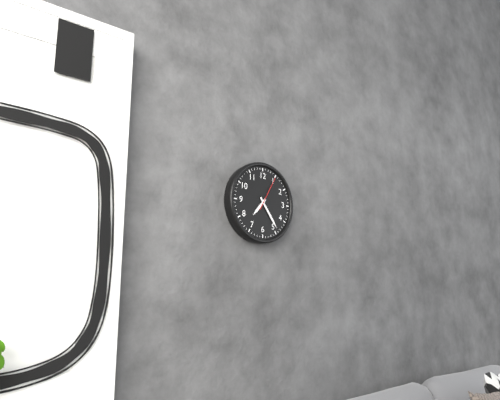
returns 7.24
